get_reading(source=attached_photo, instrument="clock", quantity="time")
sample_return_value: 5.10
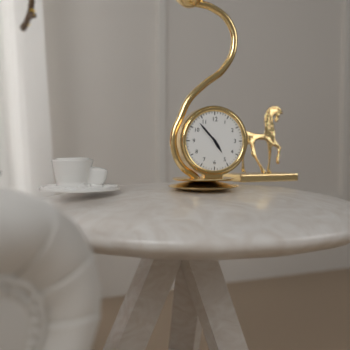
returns 4.53
